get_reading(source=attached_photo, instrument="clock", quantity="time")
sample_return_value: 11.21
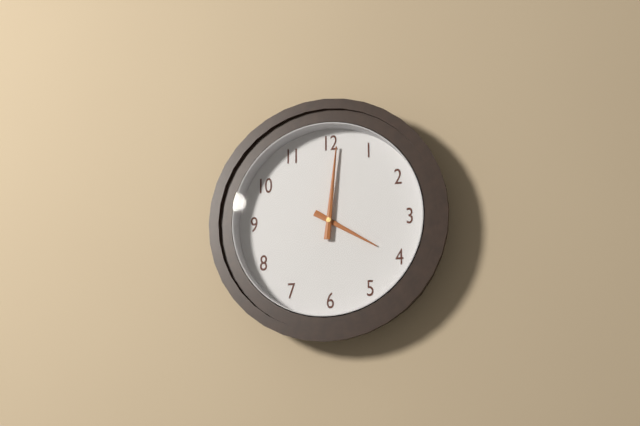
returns 4.01
